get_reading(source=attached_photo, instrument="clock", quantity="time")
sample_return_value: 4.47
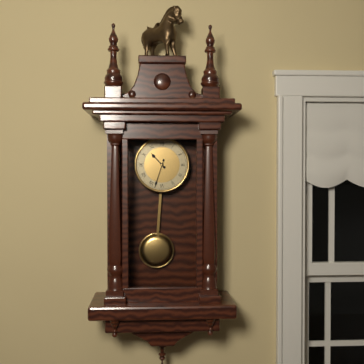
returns 10.33
